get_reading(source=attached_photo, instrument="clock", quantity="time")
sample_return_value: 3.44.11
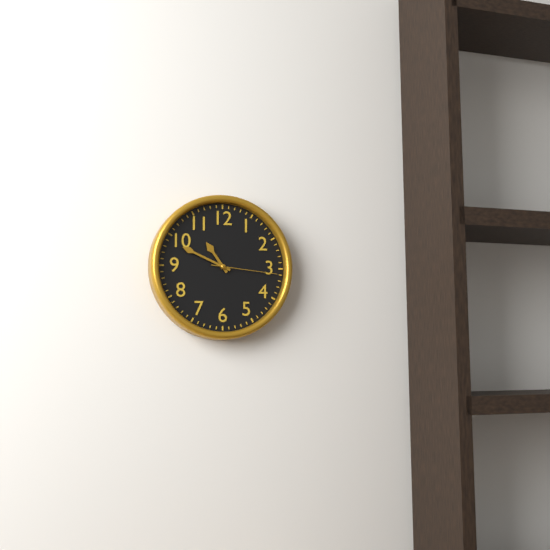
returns 10.49.16
